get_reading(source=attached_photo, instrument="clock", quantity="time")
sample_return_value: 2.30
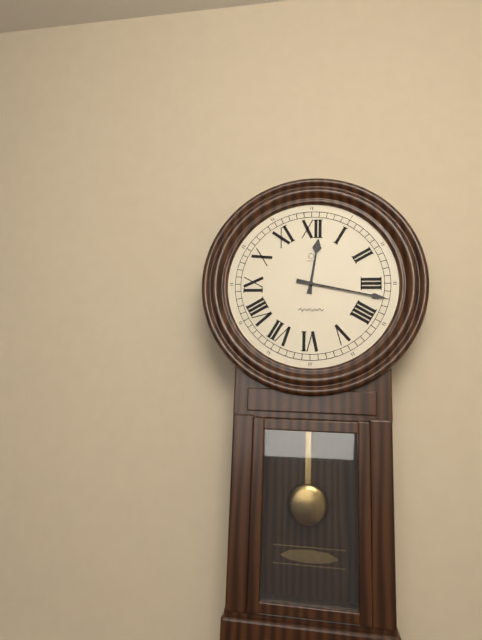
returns 12.17
